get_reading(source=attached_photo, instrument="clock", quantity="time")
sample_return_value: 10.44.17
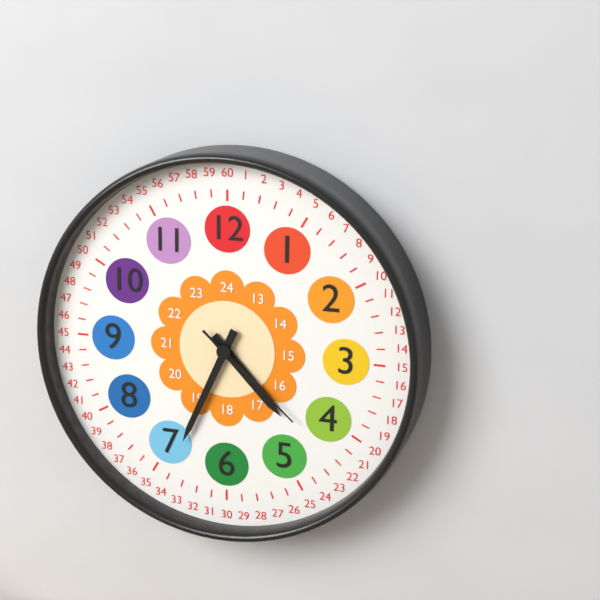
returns 4.34.22
